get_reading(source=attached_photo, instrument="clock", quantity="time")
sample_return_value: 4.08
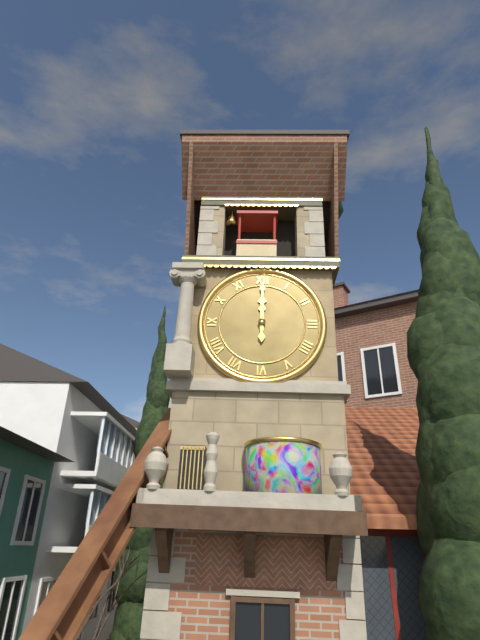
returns 12.00
